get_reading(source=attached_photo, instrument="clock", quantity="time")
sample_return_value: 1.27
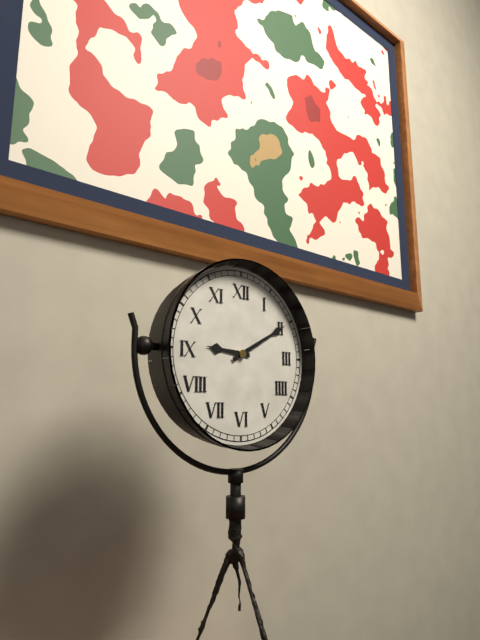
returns 9.10
